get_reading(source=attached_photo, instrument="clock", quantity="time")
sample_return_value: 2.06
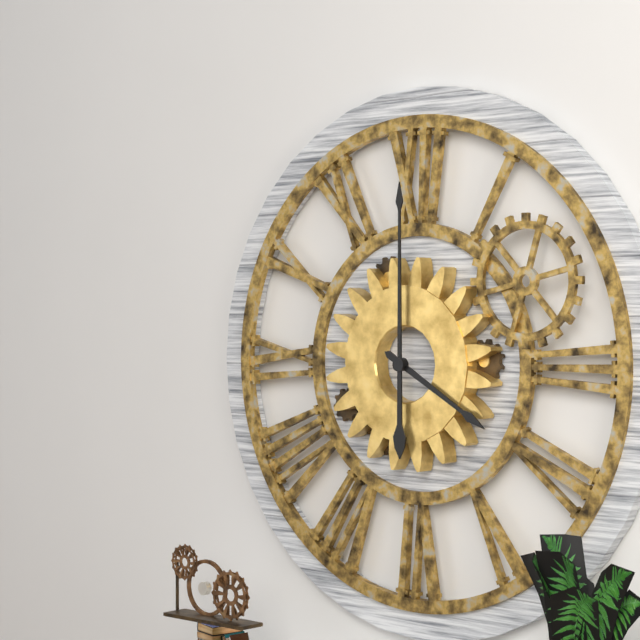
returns 4.00
